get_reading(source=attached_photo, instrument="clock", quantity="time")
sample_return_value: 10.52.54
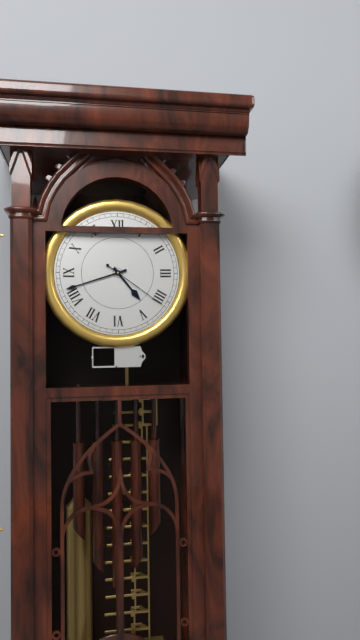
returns 4.42.21
